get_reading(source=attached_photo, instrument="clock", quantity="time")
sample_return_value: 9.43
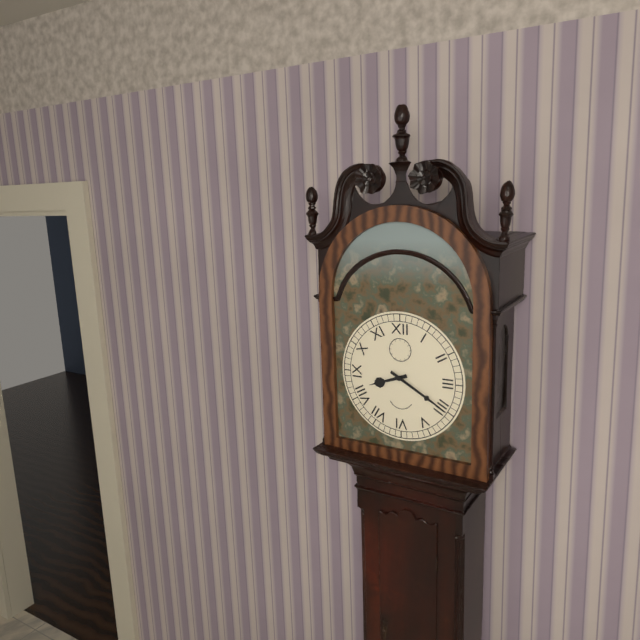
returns 8.20
